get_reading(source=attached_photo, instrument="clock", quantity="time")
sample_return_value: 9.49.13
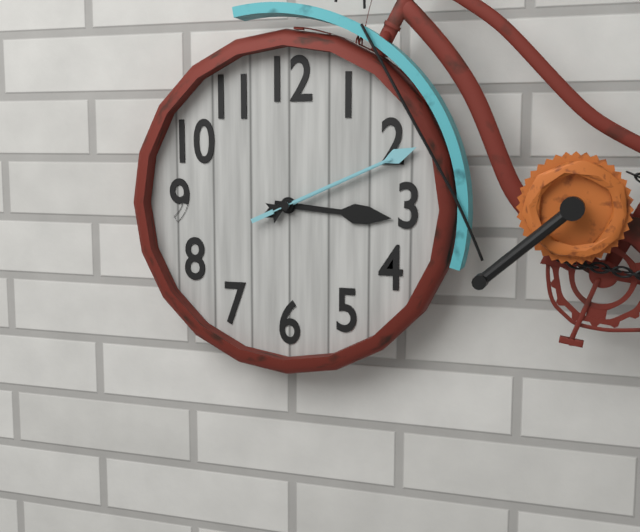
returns 3.11.11
